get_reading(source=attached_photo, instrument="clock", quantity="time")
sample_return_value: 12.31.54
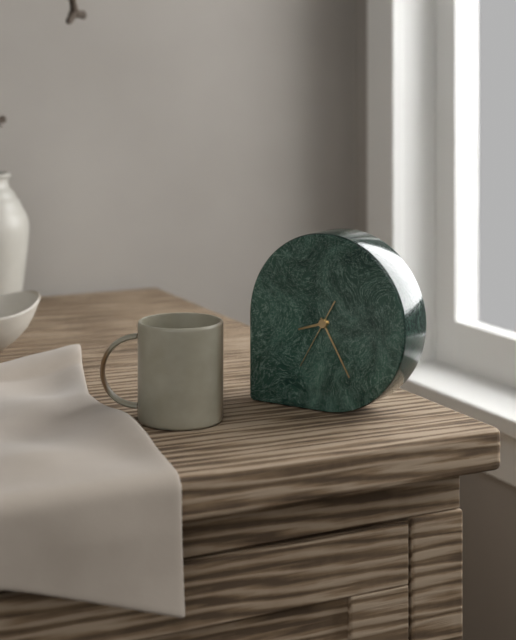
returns 8.25.35
